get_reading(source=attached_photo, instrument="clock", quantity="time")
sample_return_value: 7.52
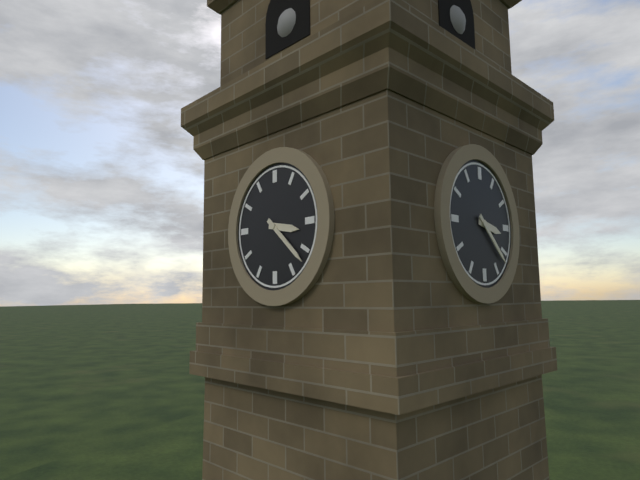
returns 3.22
